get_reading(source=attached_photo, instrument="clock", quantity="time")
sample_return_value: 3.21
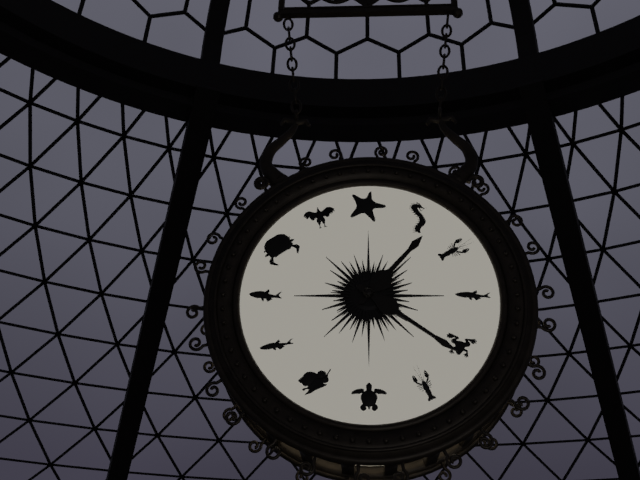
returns 1.21
